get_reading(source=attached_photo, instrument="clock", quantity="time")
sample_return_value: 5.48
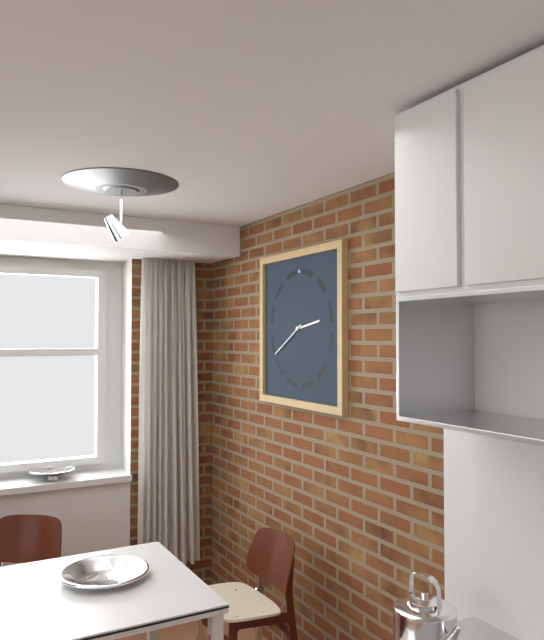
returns 2.40
